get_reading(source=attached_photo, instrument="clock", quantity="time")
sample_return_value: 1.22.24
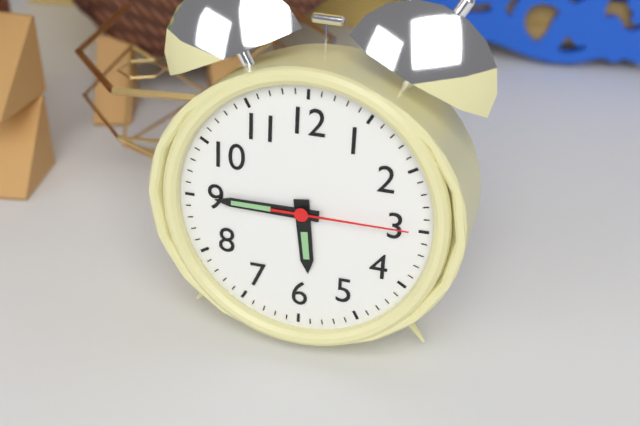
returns 5.45.15
